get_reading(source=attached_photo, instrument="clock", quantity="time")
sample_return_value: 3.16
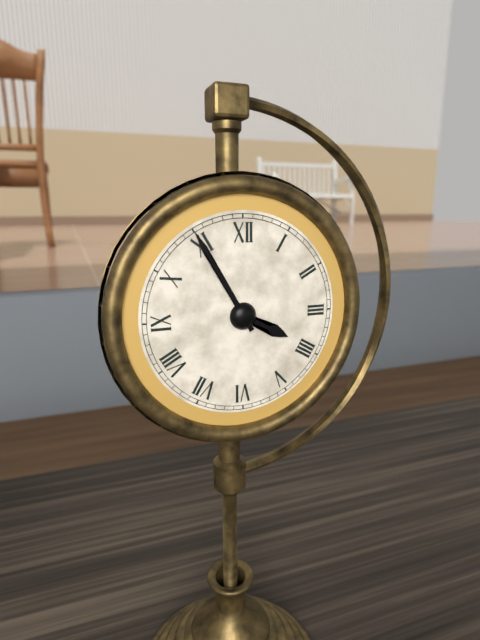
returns 3.55
